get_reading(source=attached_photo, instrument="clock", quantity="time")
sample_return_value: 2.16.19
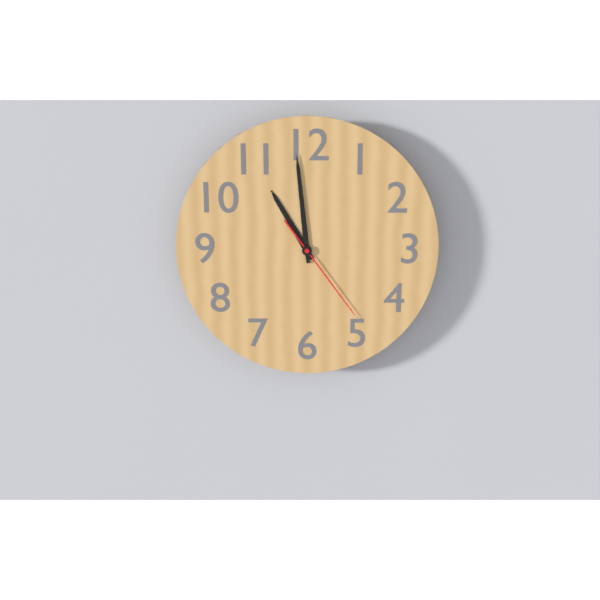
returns 10.59.24
